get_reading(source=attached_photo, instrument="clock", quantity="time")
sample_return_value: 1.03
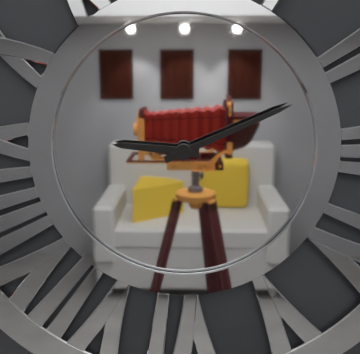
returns 9.11
